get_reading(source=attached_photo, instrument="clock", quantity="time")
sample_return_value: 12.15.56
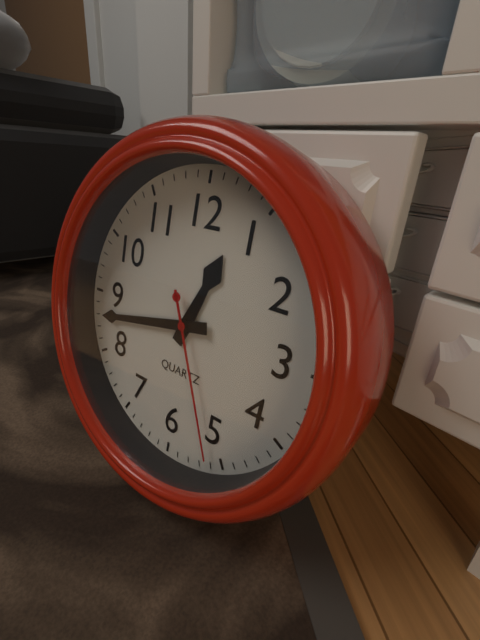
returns 12.43.26
